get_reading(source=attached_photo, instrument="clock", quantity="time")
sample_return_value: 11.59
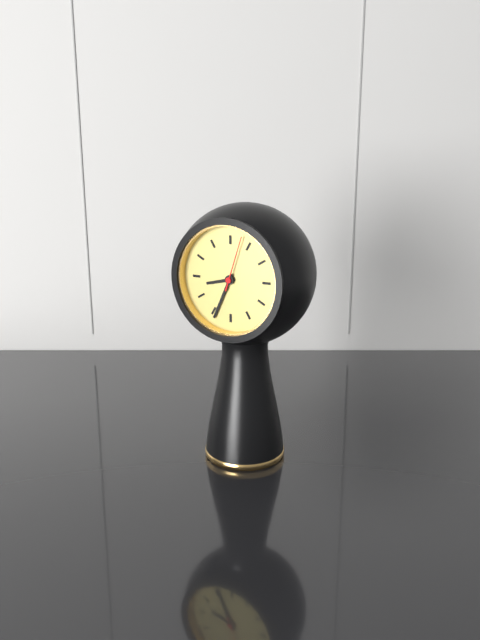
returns 8.34
